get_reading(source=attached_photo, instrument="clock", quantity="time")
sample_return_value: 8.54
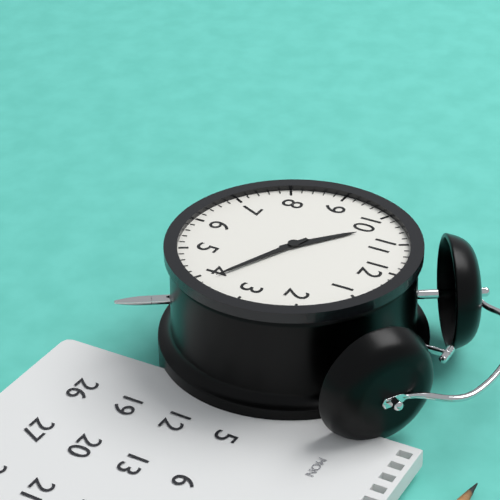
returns 10.19
